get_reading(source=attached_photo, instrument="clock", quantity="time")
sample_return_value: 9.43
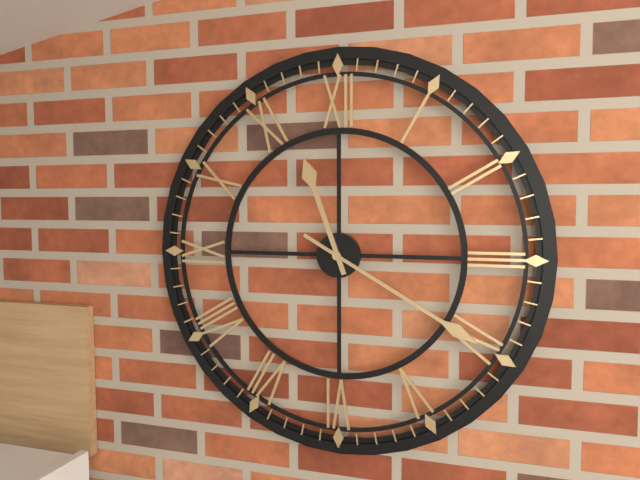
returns 11.20
